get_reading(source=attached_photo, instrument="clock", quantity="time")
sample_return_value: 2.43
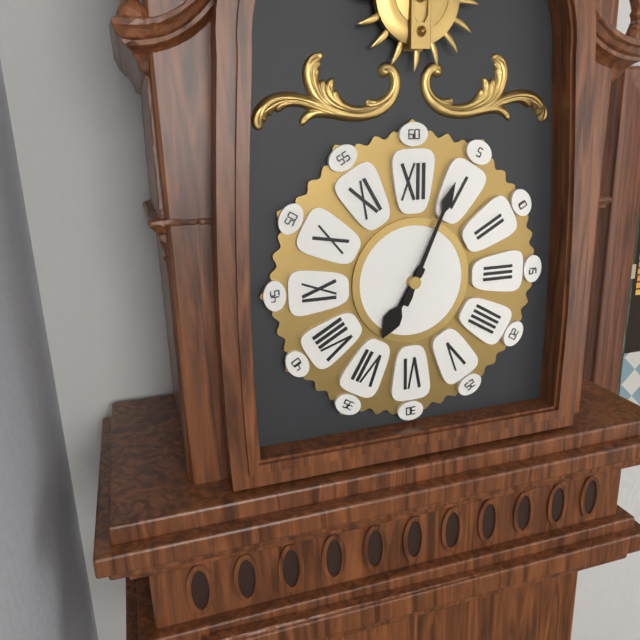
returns 7.04
